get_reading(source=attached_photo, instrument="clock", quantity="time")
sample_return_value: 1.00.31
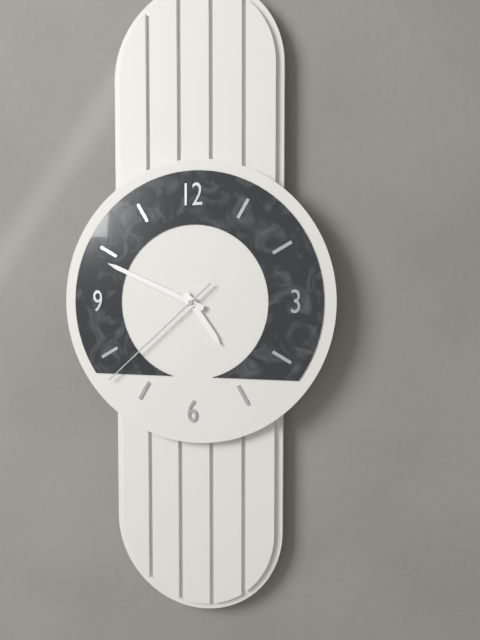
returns 4.49.38
